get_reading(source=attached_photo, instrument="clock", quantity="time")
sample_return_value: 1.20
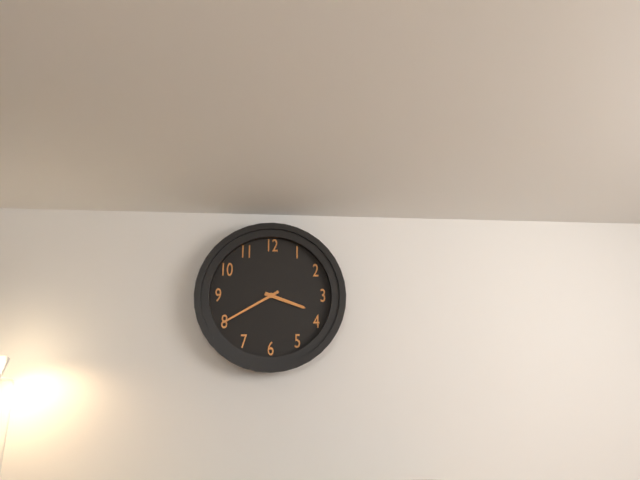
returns 3.40
